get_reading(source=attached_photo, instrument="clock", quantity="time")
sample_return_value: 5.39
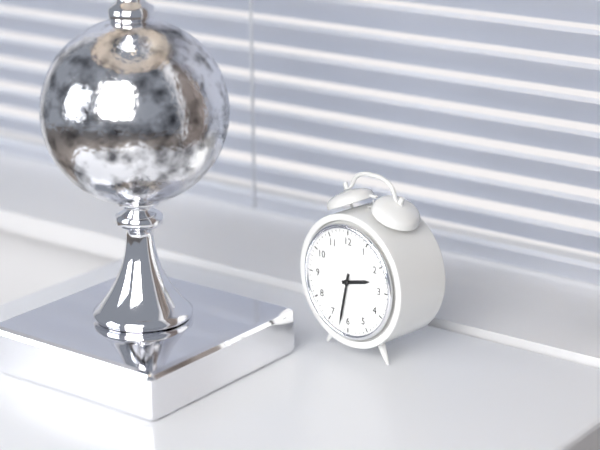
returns 2.32
